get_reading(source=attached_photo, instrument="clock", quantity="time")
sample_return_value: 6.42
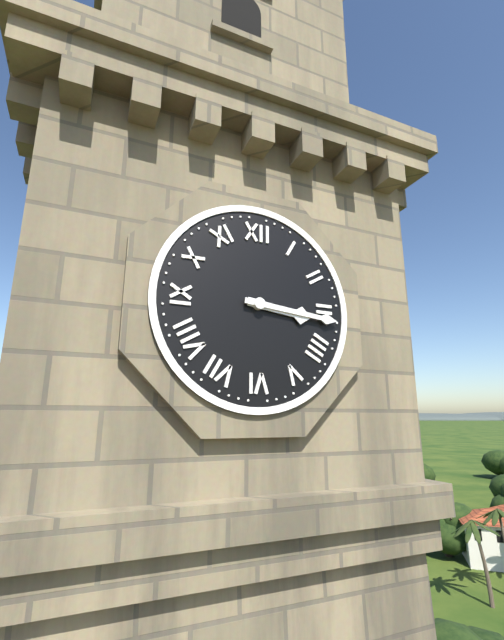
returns 3.16
